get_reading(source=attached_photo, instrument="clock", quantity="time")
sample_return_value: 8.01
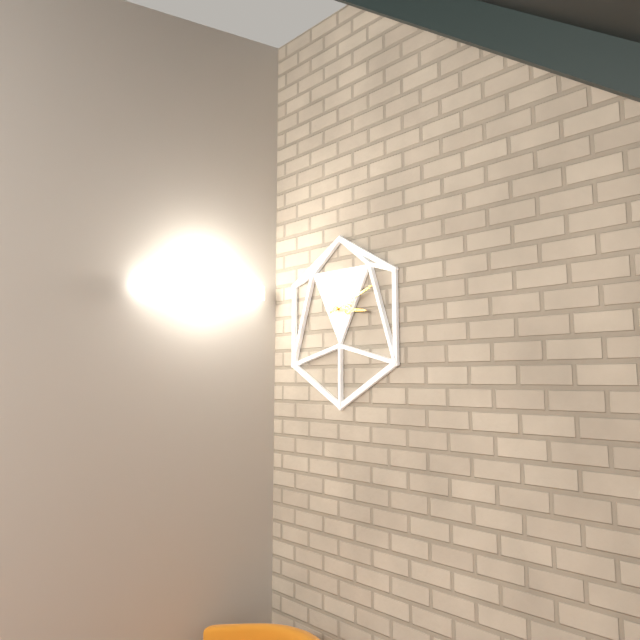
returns 3.12
